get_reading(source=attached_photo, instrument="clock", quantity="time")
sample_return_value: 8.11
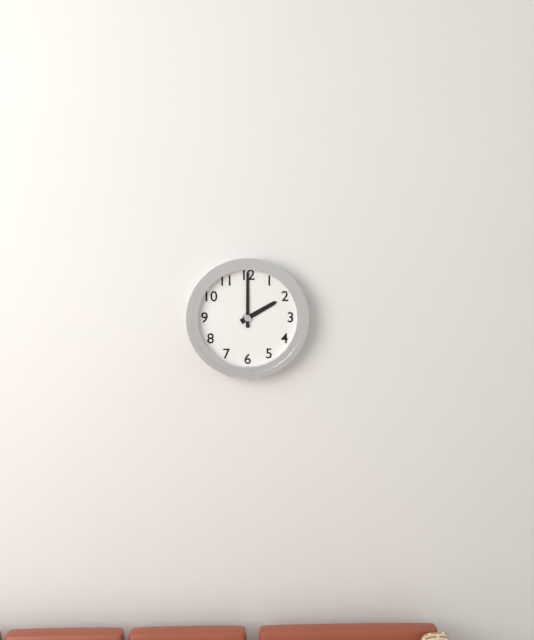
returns 2.00
